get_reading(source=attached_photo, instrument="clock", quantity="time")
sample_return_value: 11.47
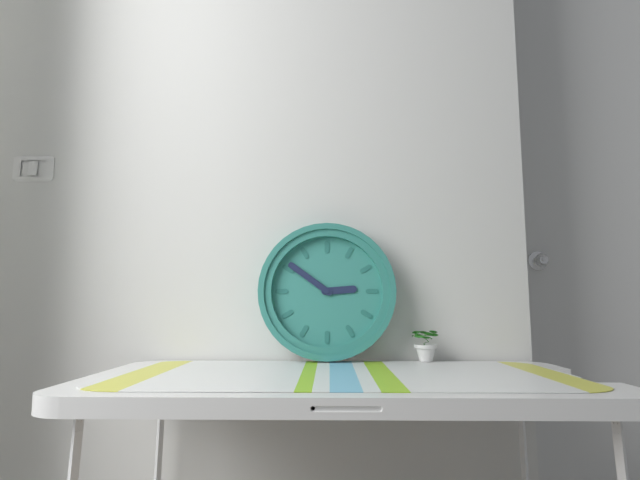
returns 2.51
